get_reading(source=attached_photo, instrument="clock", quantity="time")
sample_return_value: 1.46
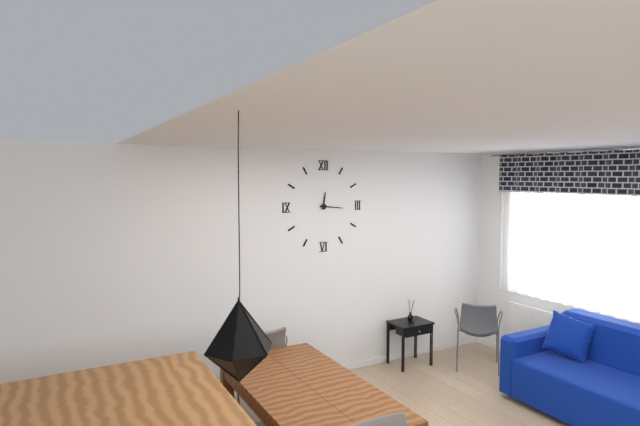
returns 12.16
